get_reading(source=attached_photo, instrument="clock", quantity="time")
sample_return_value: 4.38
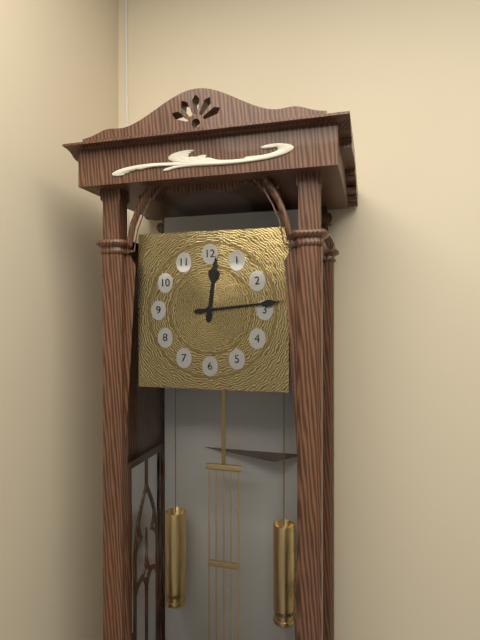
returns 12.14
